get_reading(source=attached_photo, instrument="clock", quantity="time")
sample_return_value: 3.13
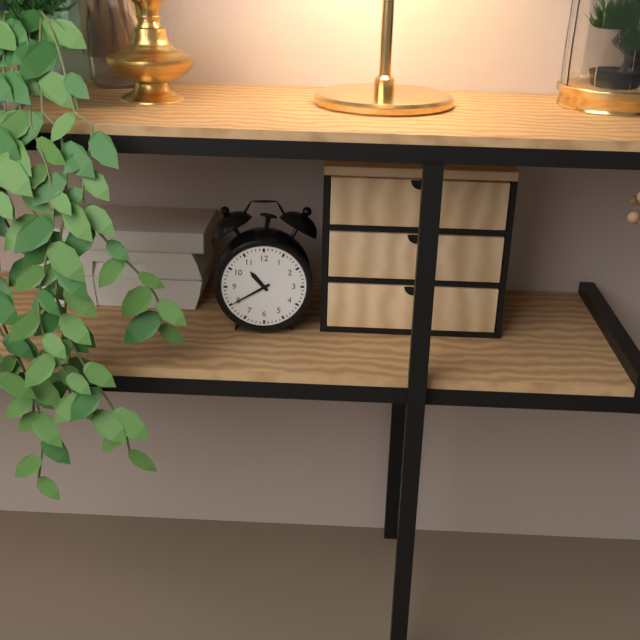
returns 10.40
